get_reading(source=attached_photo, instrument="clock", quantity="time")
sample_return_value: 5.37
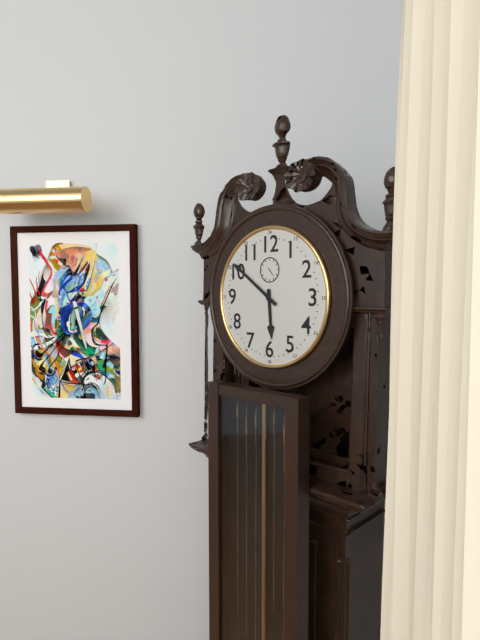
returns 5.51
